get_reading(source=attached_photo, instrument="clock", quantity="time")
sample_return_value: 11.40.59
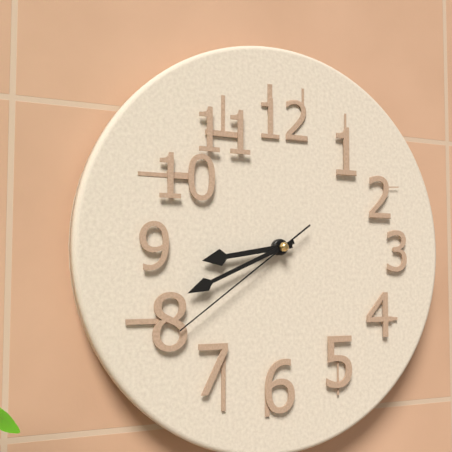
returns 8.41.39
